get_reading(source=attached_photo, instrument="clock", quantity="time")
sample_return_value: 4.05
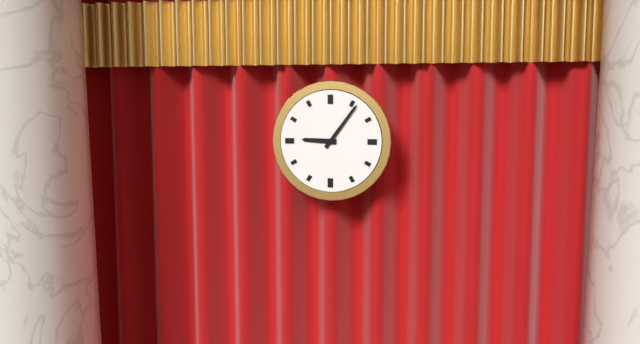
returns 9.06
